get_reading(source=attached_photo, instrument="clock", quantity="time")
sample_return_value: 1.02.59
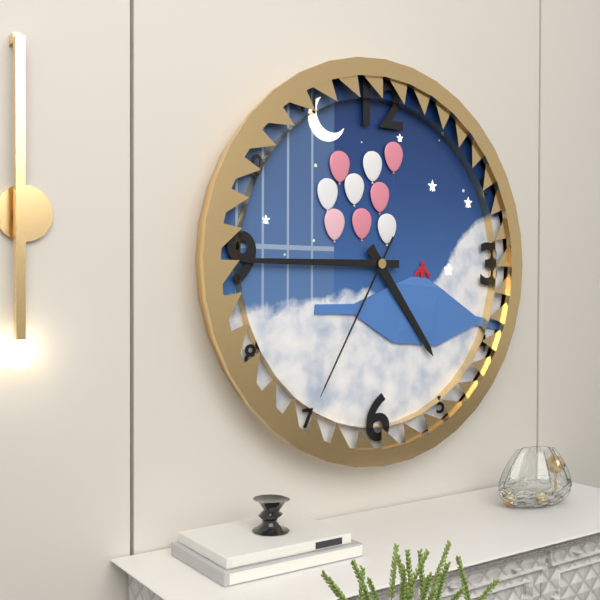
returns 4.45.35
